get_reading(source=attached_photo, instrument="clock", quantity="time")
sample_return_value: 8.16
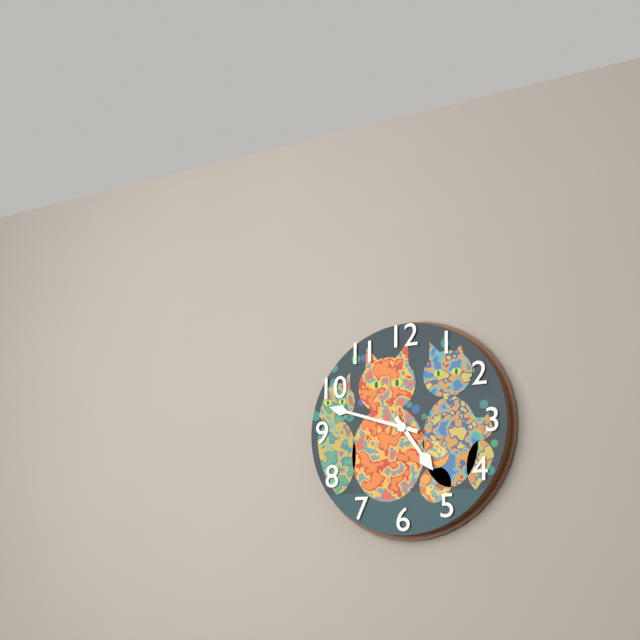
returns 4.48
